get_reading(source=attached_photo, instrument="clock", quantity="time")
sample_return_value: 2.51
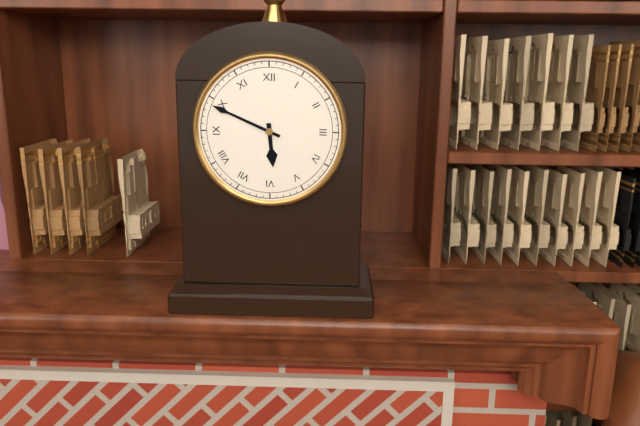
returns 5.49
